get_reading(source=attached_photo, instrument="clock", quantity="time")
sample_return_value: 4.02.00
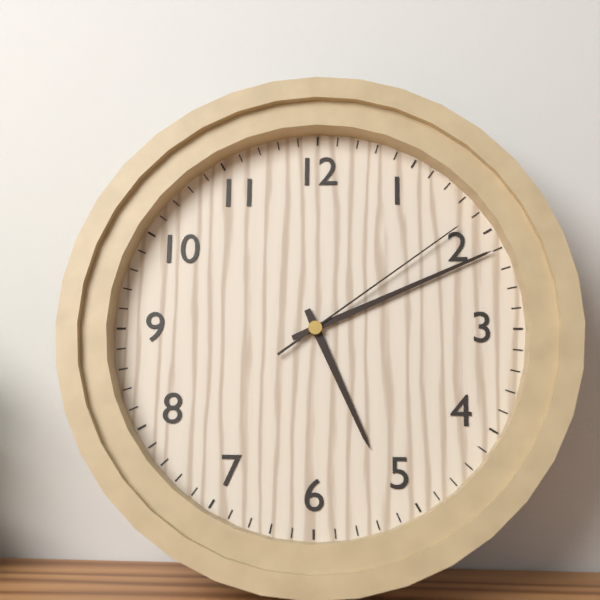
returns 5.11.09
